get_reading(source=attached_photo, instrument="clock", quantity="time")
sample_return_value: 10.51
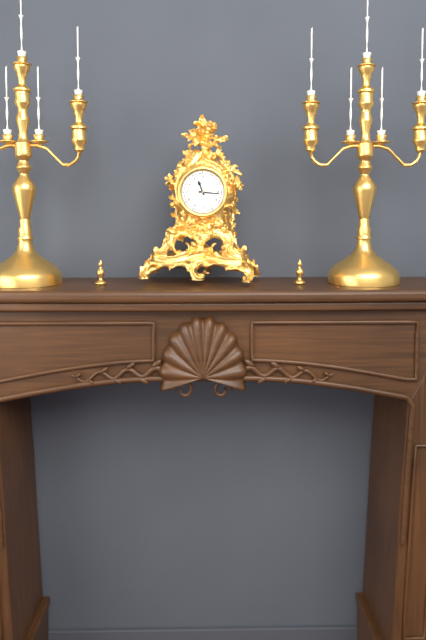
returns 11.16
